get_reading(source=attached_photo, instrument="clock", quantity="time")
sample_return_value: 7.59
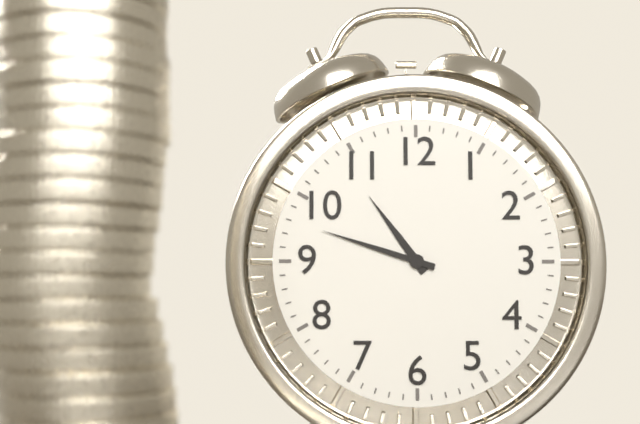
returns 10.48
